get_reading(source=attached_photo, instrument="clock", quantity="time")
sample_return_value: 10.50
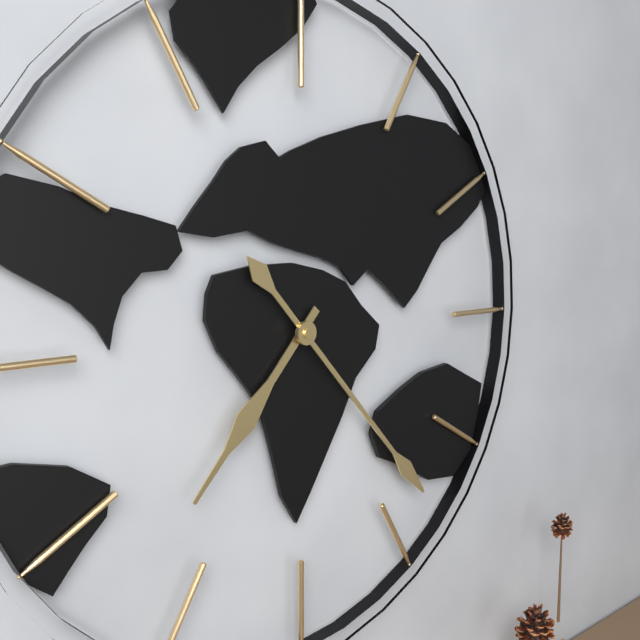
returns 7.23
